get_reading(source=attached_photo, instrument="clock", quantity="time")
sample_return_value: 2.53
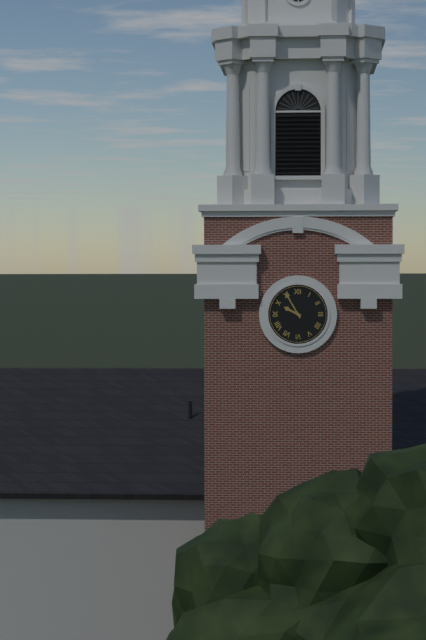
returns 9.55
